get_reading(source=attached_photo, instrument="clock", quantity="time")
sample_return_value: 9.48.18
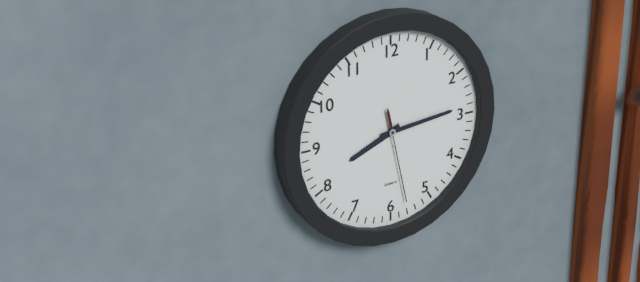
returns 8.14.28
